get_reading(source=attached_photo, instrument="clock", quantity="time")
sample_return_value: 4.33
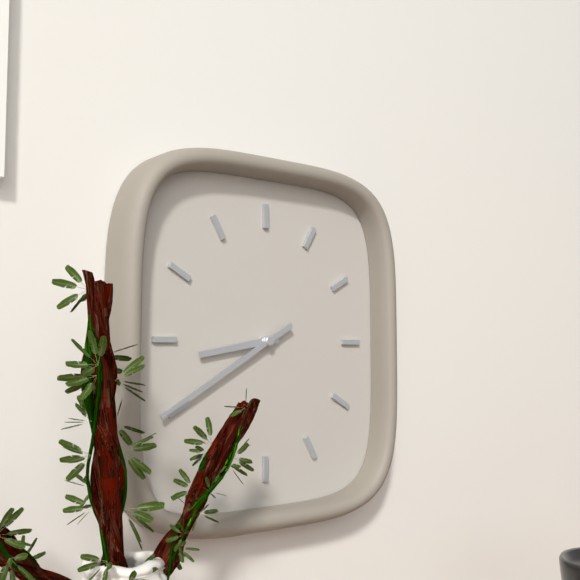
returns 8.40
